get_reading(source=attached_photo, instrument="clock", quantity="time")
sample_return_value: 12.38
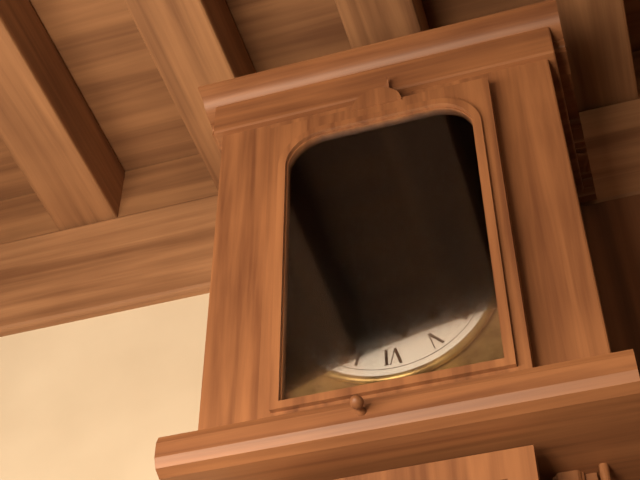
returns 5.36
